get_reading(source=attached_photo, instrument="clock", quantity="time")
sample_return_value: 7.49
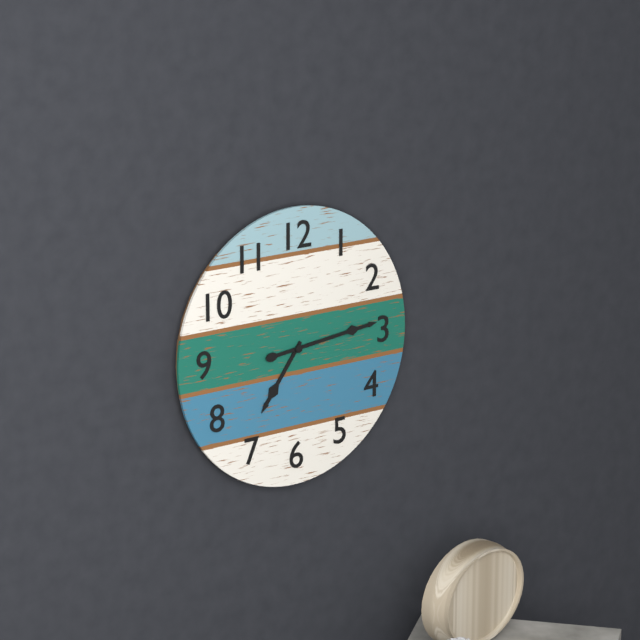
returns 7.14
